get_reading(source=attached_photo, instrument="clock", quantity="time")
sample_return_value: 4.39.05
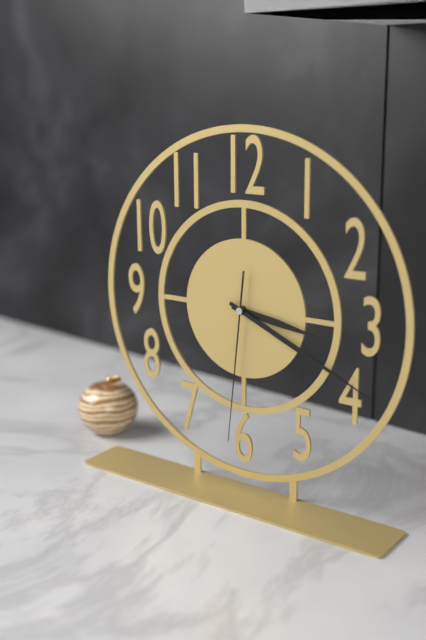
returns 3.19.31
